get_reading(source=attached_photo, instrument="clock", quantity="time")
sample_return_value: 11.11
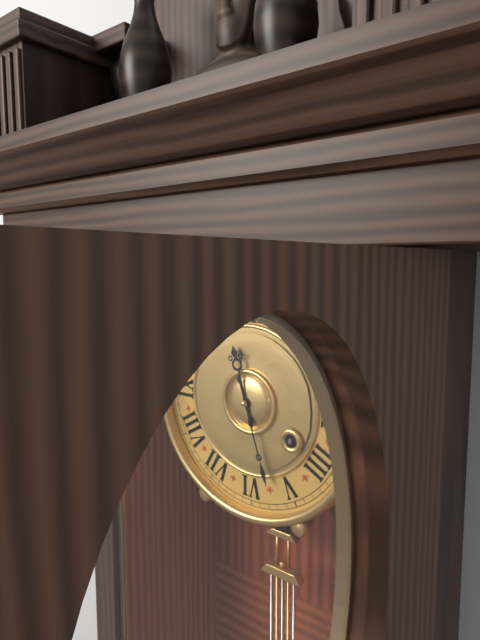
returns 11.27
